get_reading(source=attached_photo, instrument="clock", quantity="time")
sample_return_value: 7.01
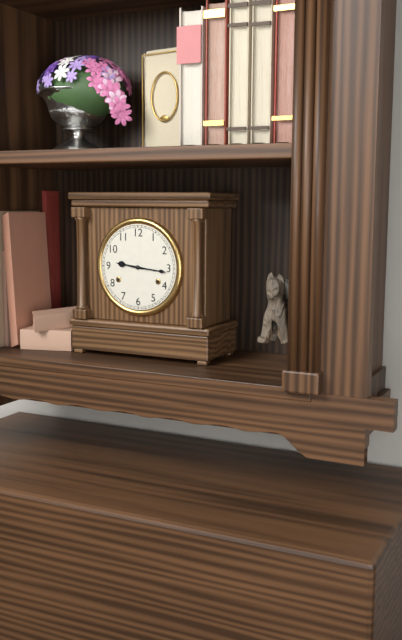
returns 9.16
